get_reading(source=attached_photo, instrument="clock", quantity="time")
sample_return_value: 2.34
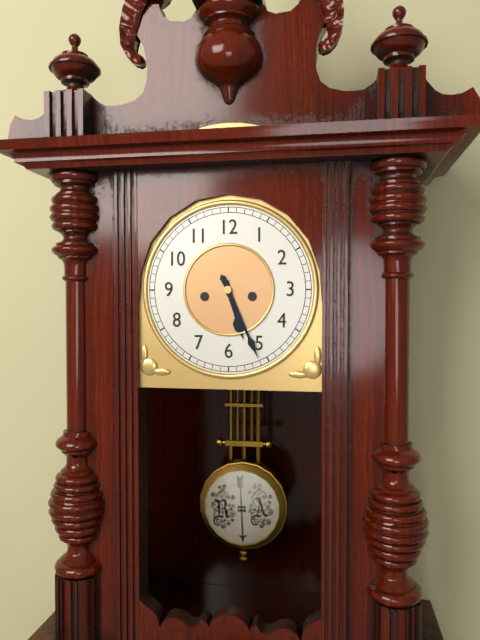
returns 5.26
